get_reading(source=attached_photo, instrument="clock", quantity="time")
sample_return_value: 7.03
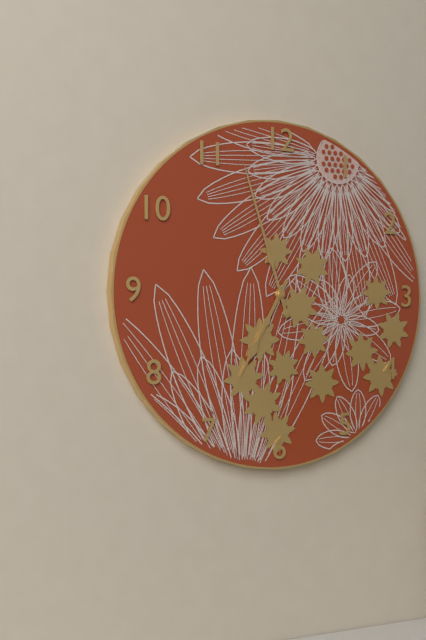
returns 6.57
